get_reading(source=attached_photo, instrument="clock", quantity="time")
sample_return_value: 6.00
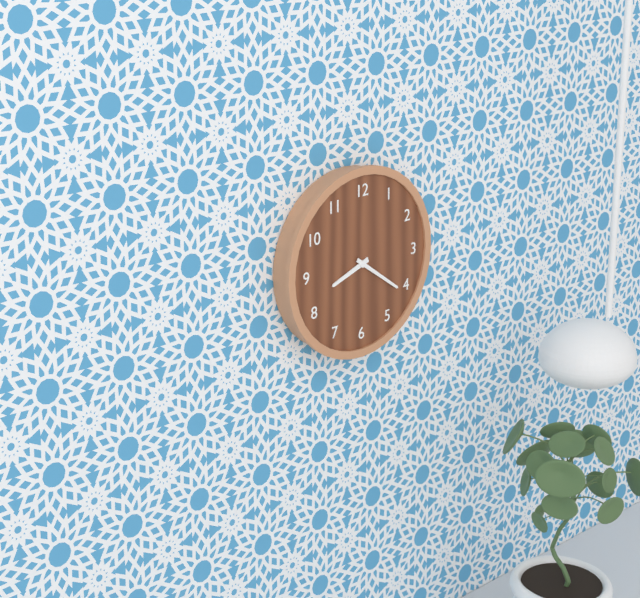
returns 8.21
